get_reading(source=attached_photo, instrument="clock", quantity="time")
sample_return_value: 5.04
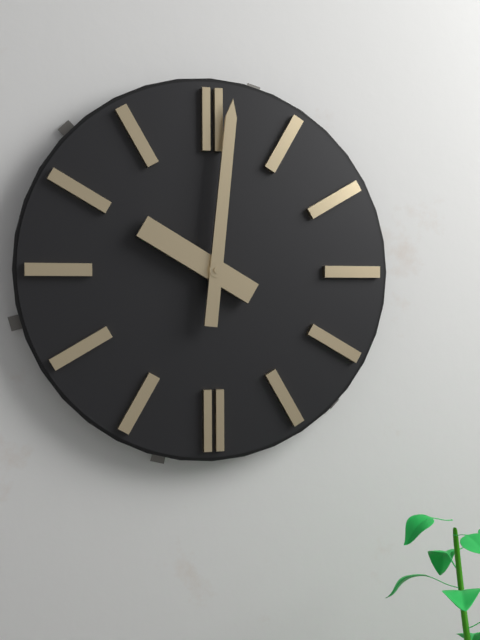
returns 10.01
